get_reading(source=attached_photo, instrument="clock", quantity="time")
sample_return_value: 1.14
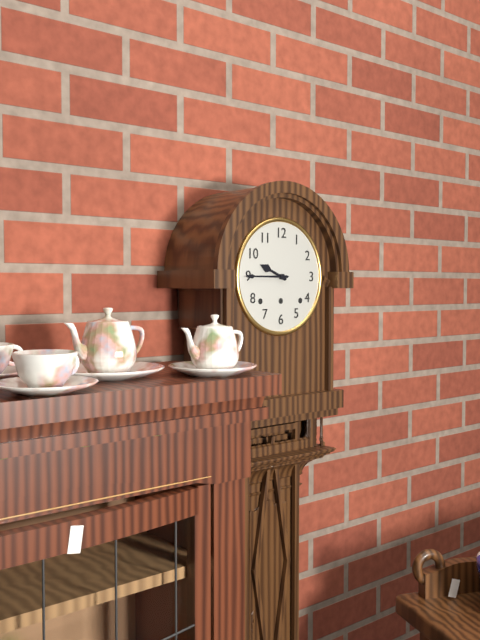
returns 9.45
